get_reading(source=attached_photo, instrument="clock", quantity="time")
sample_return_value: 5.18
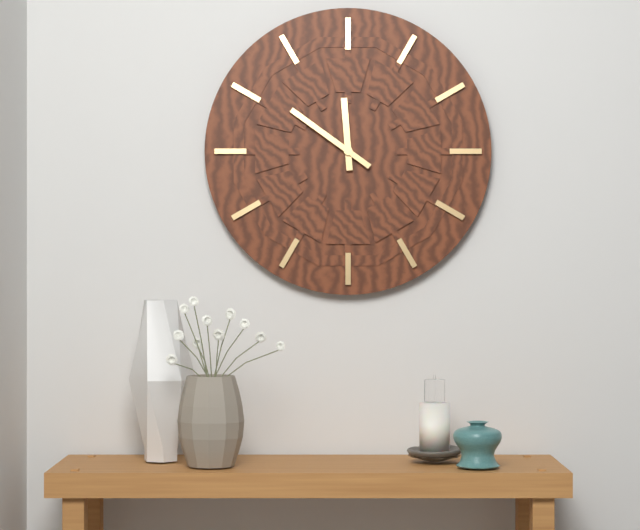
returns 11.51
